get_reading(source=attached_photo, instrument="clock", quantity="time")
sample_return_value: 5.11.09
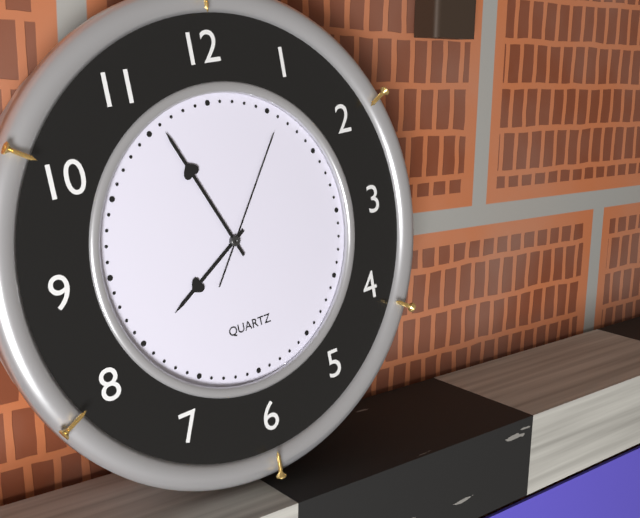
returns 7.56.06
